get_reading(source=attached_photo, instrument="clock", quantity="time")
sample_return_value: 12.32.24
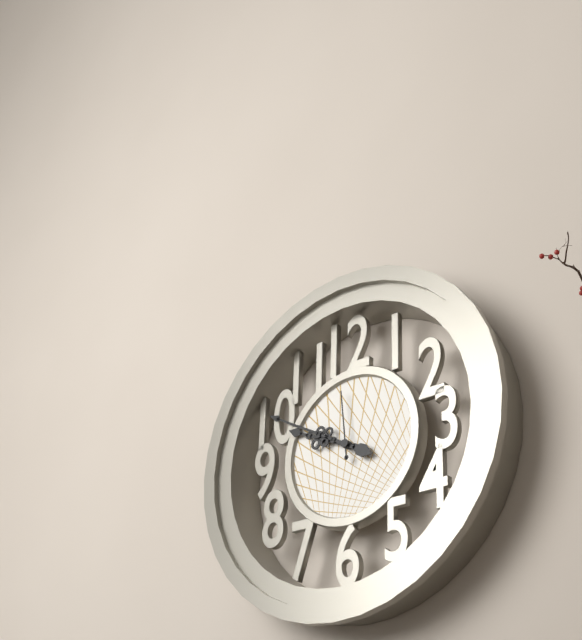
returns 9.50.59
